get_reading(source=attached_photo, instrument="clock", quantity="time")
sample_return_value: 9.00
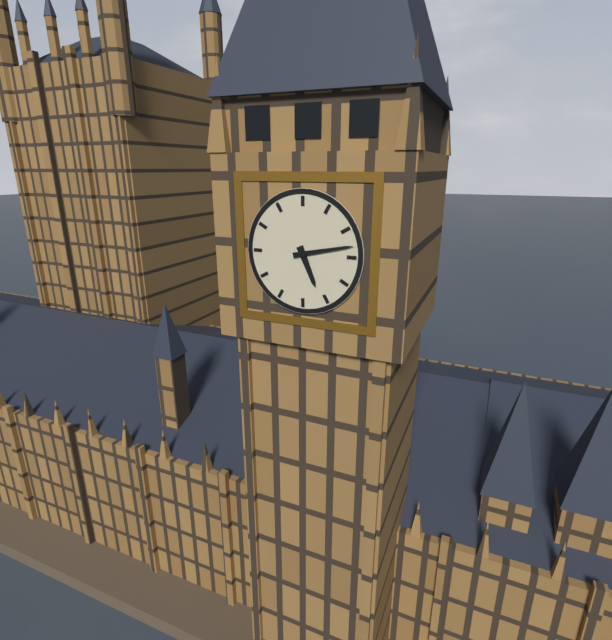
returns 5.13
